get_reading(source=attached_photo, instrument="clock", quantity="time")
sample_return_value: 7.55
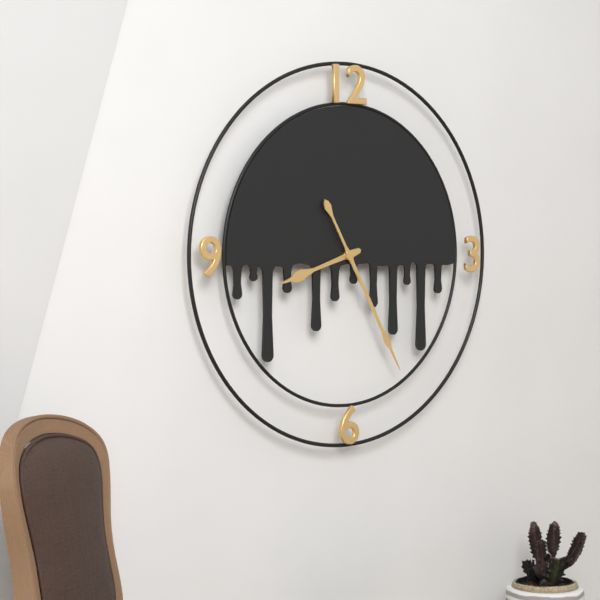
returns 8.25
